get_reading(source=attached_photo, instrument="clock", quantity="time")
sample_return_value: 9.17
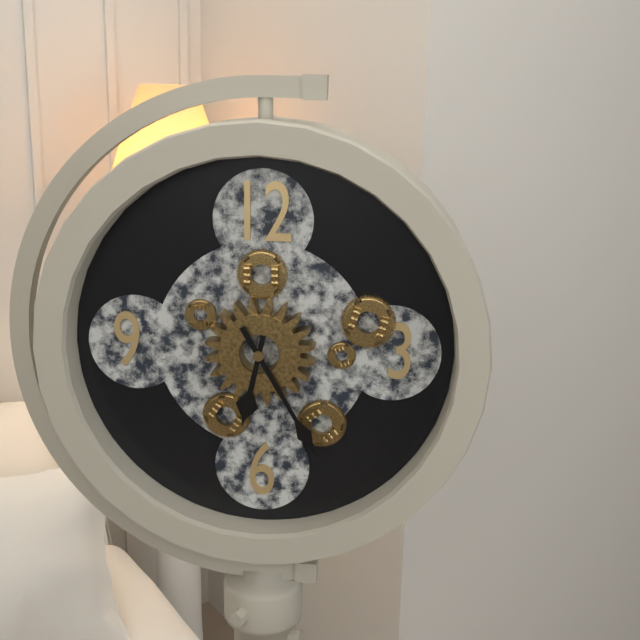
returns 6.25
